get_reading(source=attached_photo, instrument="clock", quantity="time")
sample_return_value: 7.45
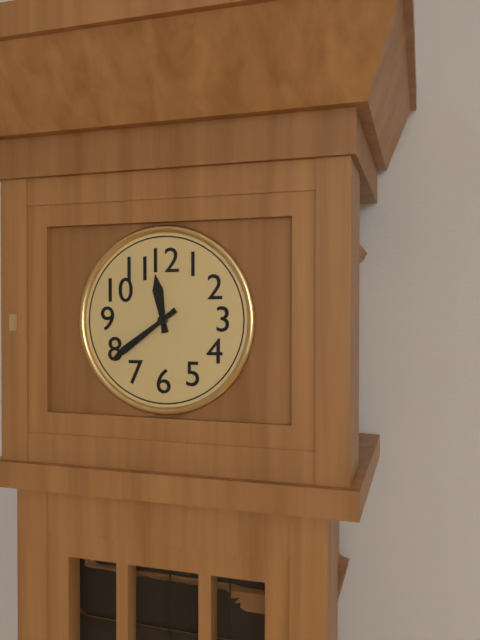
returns 11.39
